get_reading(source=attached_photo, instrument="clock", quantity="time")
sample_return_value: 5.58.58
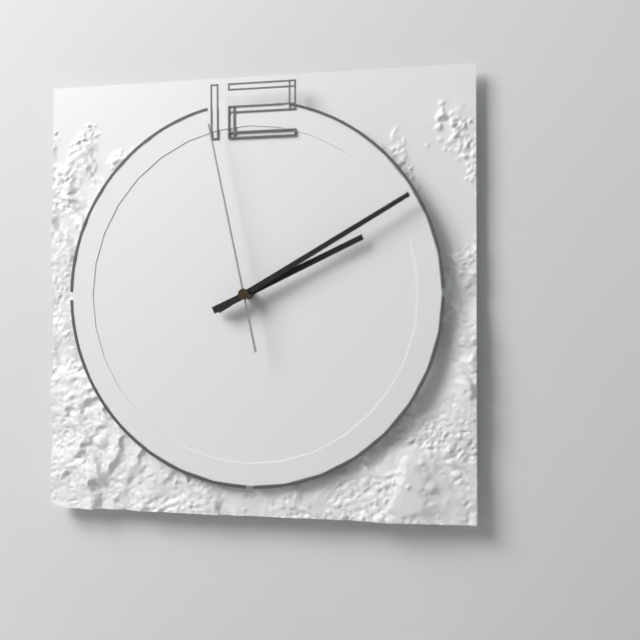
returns 2.10.58
